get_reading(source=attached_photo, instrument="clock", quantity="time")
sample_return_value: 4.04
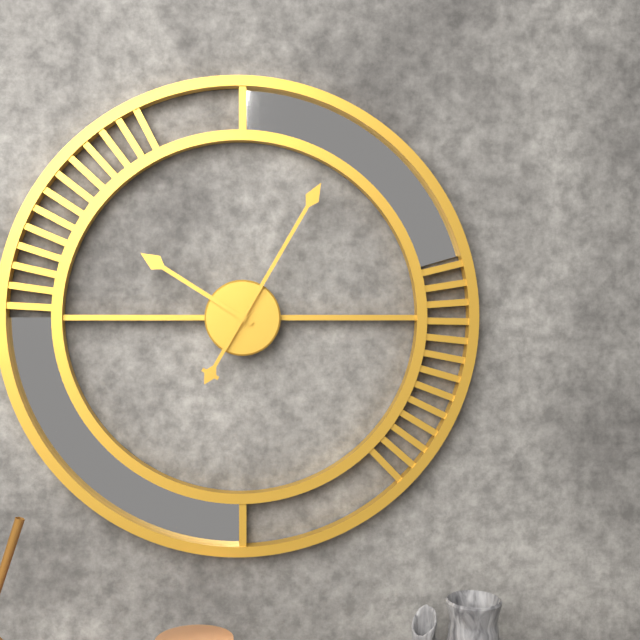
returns 10.05
